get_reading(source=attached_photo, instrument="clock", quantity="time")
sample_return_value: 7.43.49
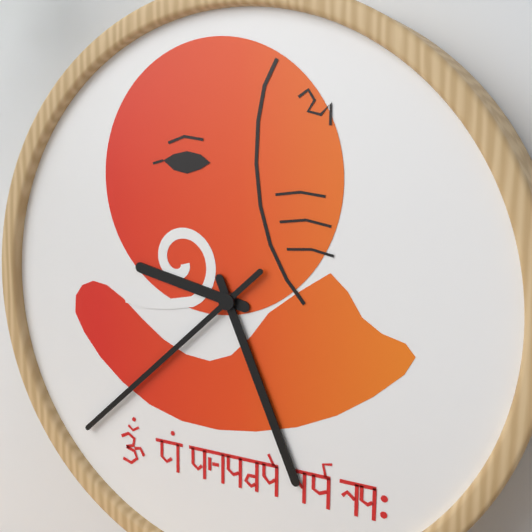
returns 9.26.38
